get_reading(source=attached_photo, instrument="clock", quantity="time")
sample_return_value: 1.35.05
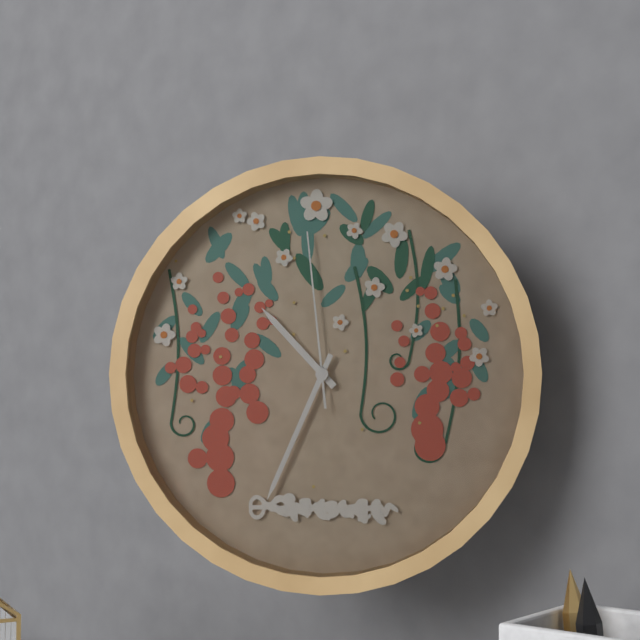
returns 10.34.59
